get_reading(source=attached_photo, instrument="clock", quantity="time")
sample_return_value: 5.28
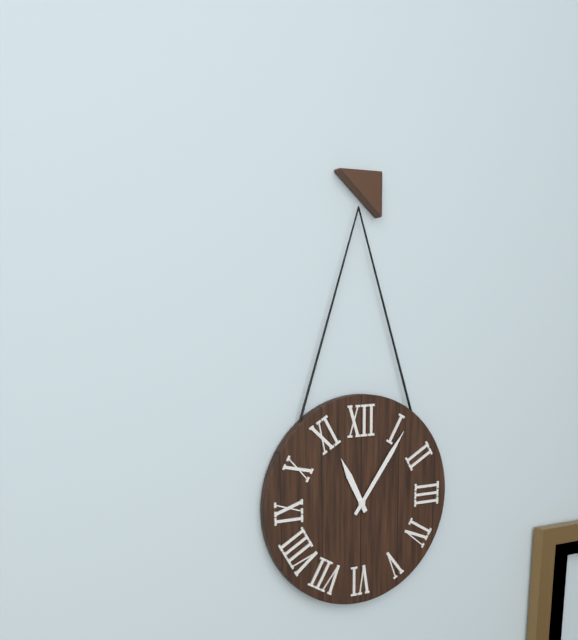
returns 11.06
